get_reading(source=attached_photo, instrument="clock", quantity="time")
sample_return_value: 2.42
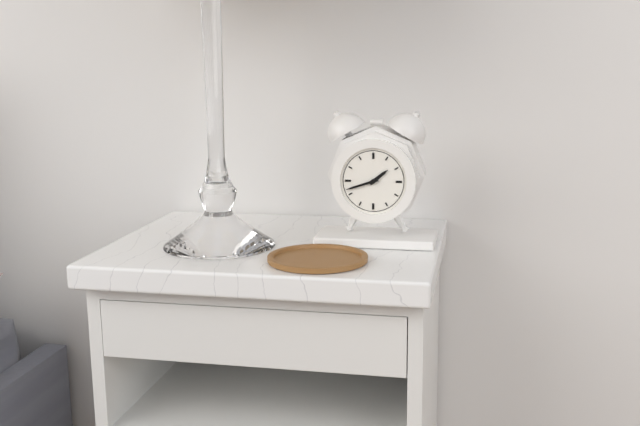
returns 1.42
